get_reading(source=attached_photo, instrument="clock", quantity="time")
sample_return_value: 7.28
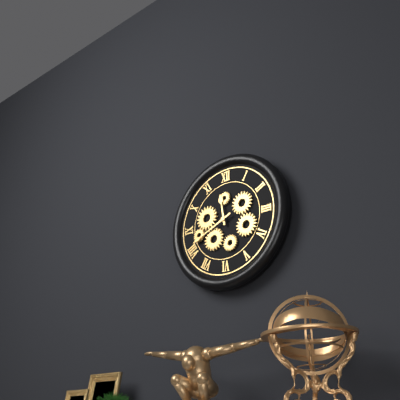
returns 11.41
